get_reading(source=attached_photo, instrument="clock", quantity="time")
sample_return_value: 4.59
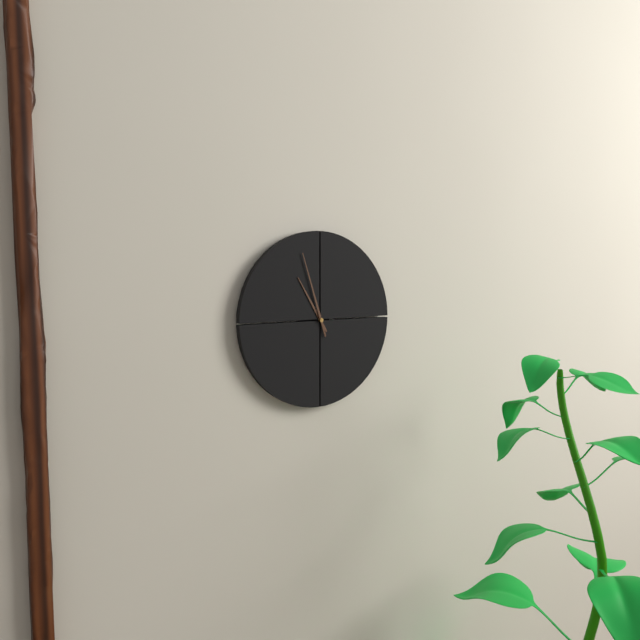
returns 10.57
